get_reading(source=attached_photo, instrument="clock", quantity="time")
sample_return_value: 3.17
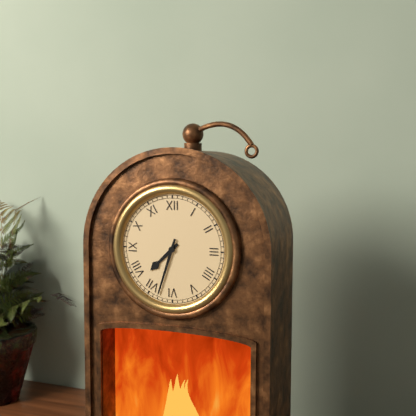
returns 7.33
